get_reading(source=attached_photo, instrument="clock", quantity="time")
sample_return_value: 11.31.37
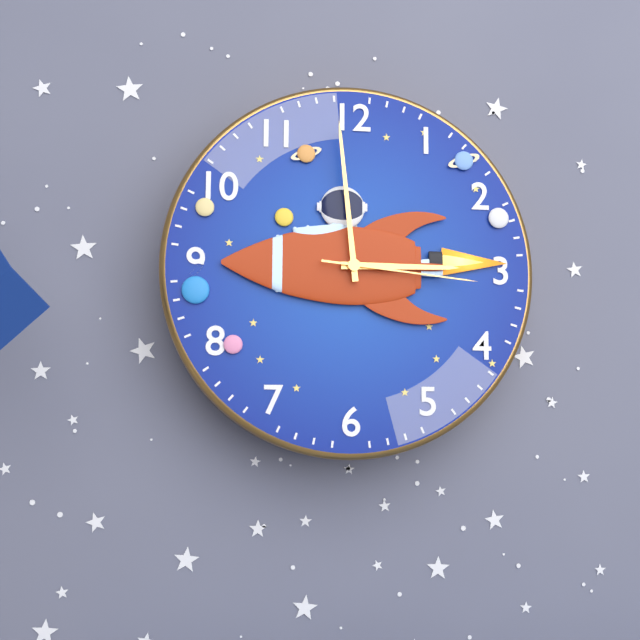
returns 2.59.16
